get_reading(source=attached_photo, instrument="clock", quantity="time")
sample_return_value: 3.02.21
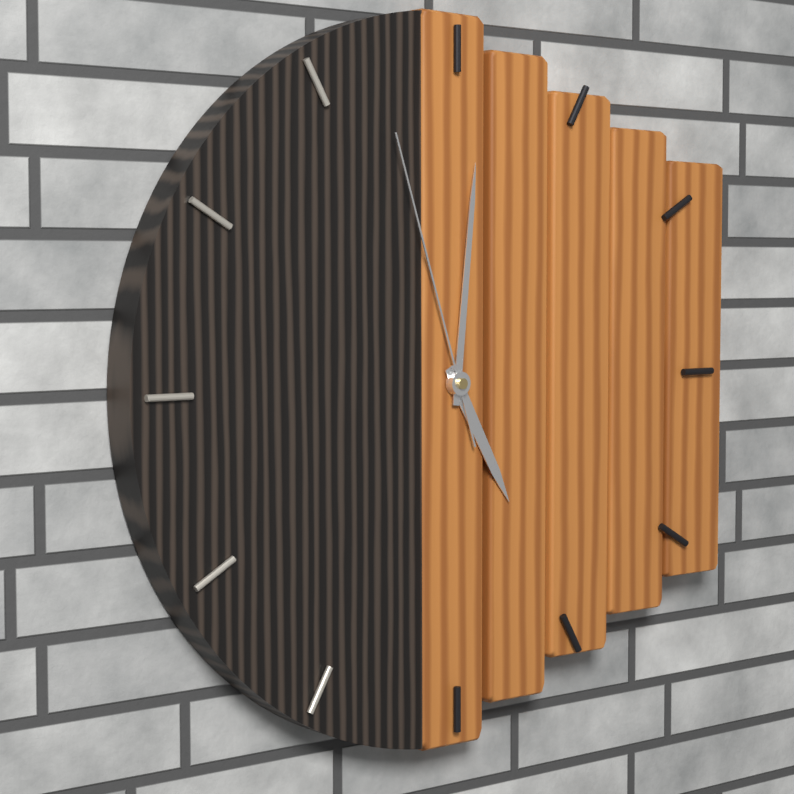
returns 5.01.57
